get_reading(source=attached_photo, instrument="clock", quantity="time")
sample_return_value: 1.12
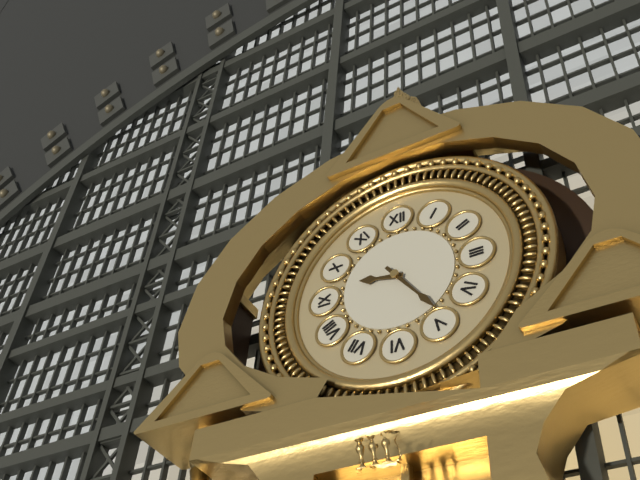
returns 9.24
